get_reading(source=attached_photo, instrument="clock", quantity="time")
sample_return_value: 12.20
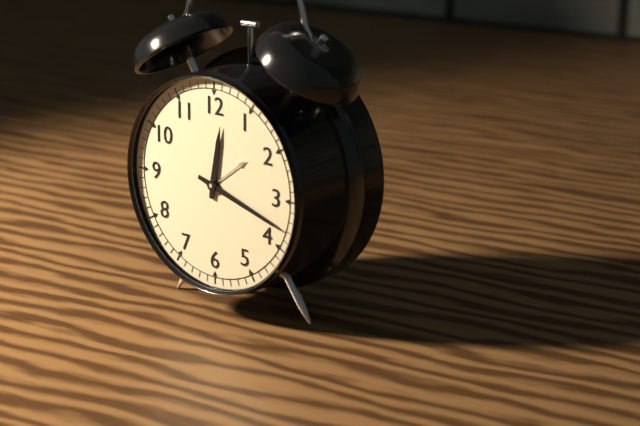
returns 12.18
